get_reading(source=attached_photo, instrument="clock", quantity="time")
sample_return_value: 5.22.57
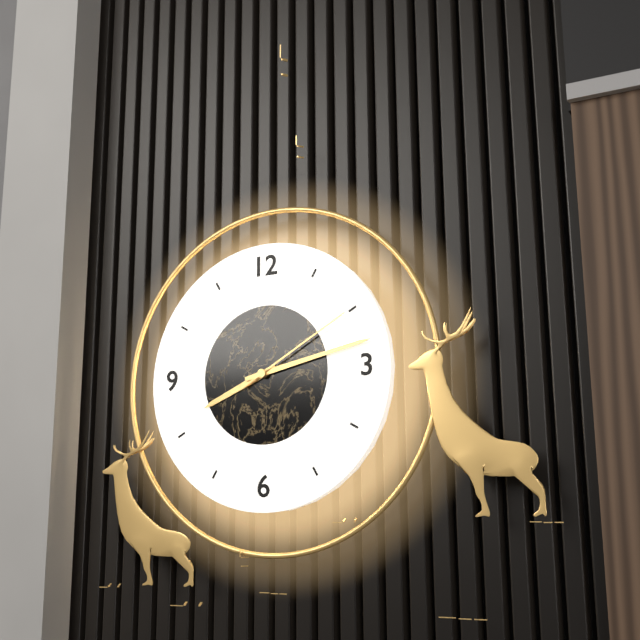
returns 8.13.10
